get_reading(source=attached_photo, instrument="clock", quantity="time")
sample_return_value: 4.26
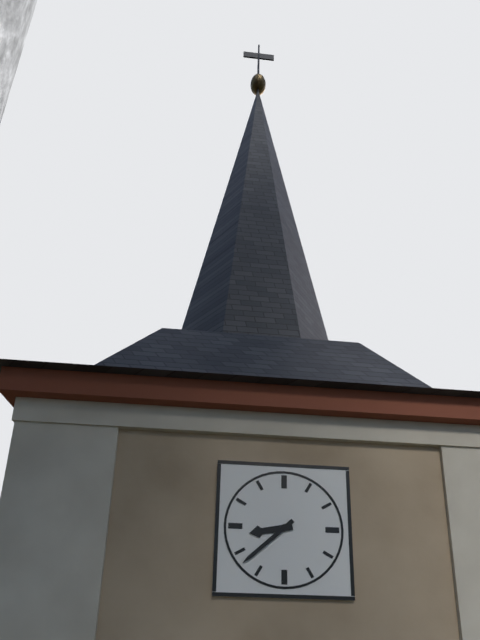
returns 8.38
